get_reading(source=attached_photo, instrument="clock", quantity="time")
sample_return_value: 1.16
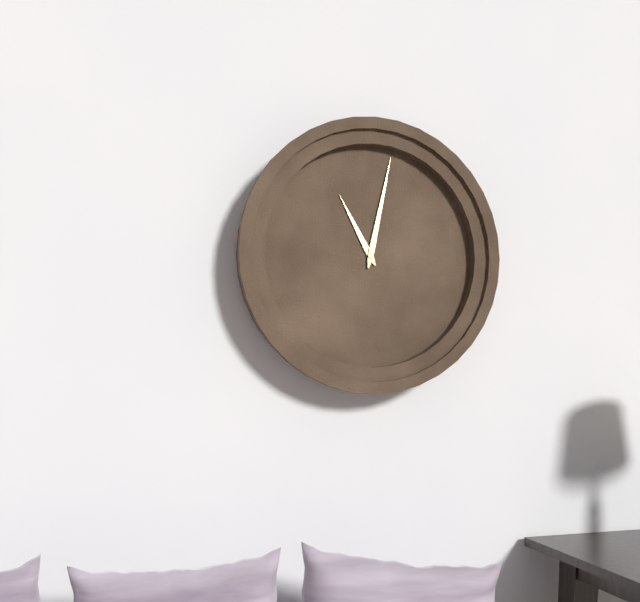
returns 11.02
